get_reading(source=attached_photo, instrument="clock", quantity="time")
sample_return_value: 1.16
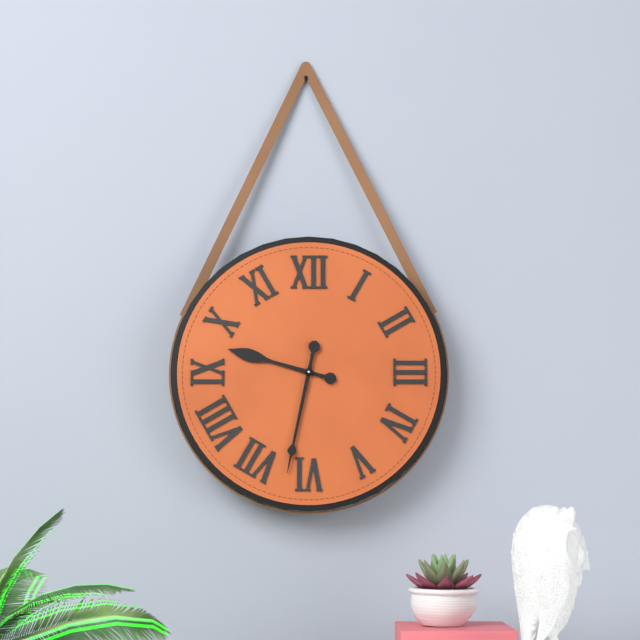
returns 9.32
